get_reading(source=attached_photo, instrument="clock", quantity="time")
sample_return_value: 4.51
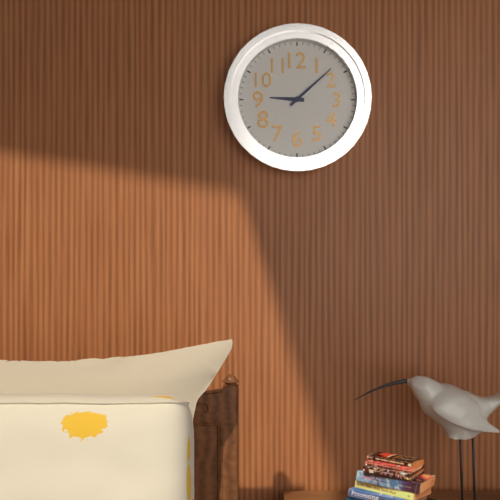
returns 9.08
